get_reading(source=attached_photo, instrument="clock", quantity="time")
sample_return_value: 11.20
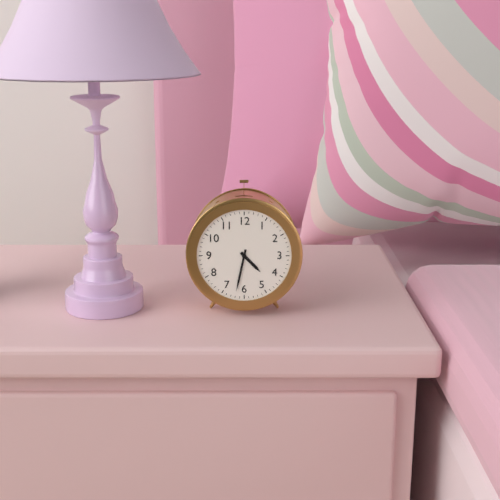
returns 4.32
